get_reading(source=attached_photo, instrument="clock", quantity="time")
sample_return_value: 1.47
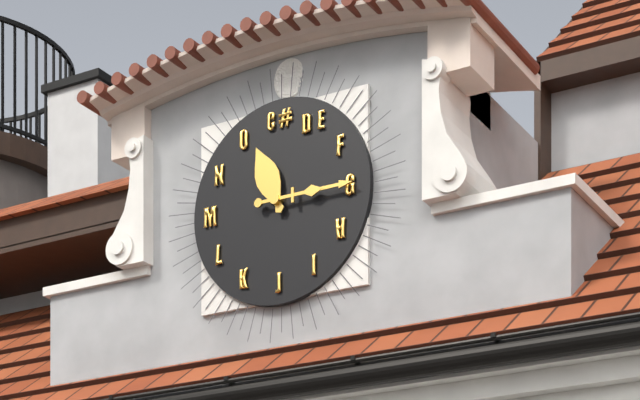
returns 11.15
